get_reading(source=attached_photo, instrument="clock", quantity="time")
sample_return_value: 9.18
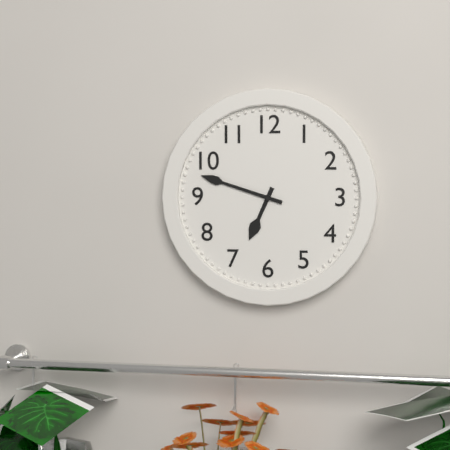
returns 6.48
